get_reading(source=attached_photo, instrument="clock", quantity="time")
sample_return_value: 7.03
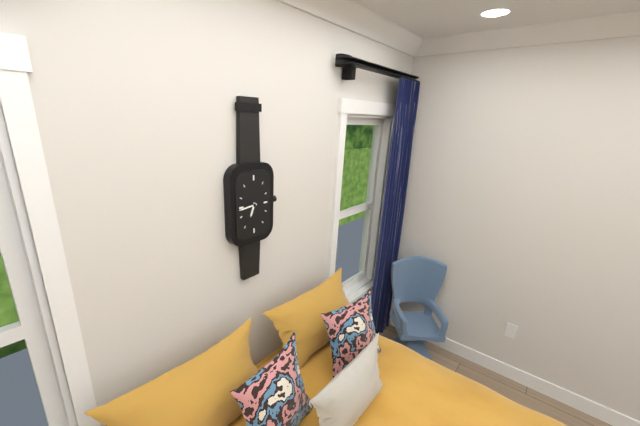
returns 6.44
